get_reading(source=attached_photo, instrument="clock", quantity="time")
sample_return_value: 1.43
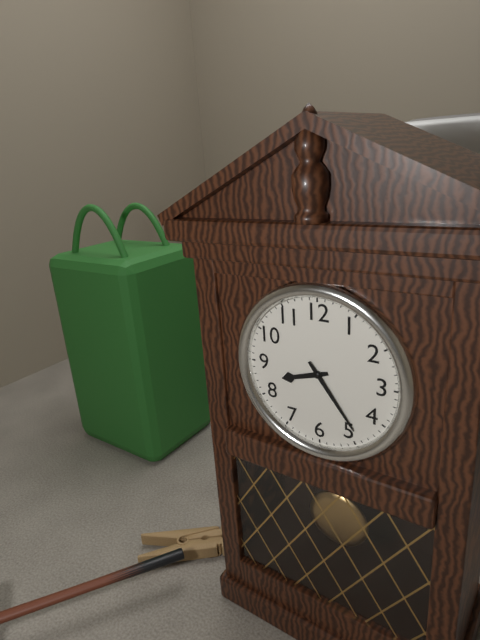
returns 8.24
